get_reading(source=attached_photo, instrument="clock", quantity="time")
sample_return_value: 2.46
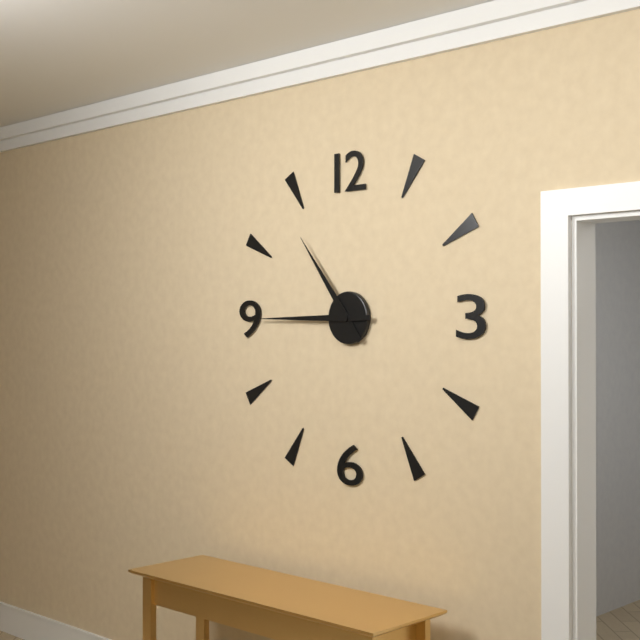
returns 10.45
